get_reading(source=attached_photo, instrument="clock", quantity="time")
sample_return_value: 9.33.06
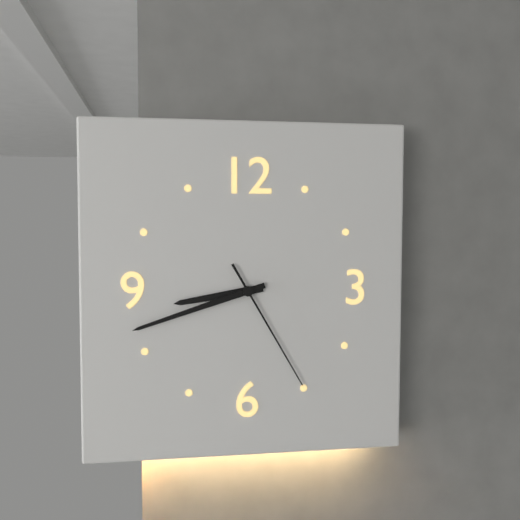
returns 8.42.25
